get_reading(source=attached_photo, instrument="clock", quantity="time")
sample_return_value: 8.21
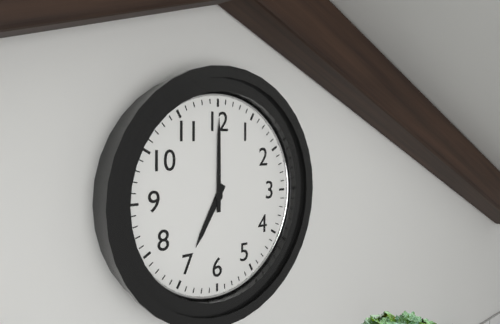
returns 7.00
